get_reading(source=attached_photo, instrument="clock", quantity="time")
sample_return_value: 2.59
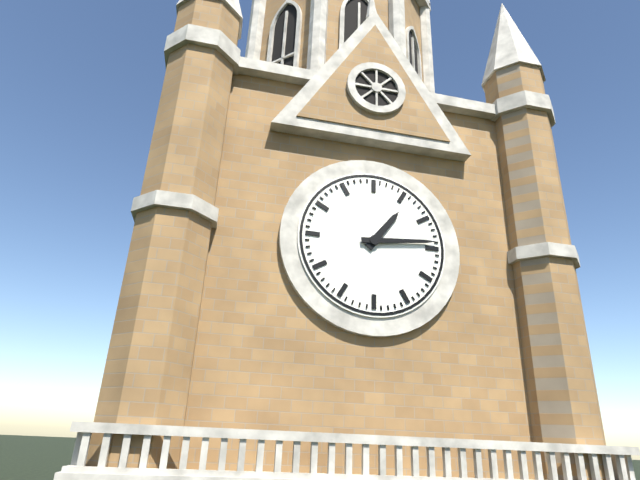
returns 1.14
